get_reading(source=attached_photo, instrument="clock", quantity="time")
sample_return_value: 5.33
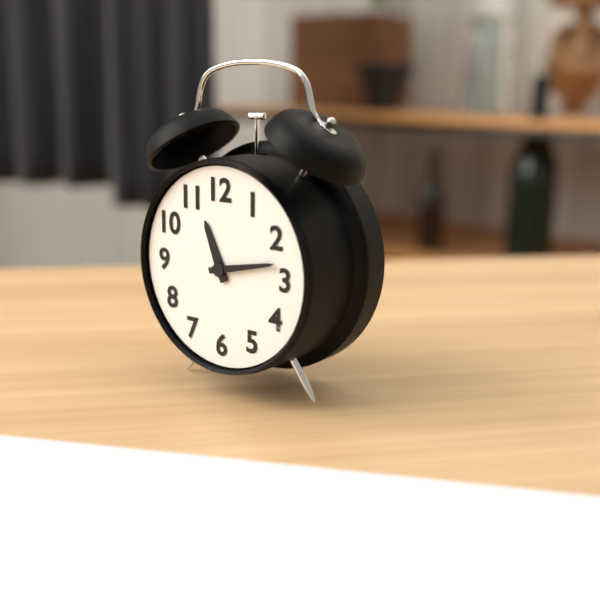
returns 11.13
